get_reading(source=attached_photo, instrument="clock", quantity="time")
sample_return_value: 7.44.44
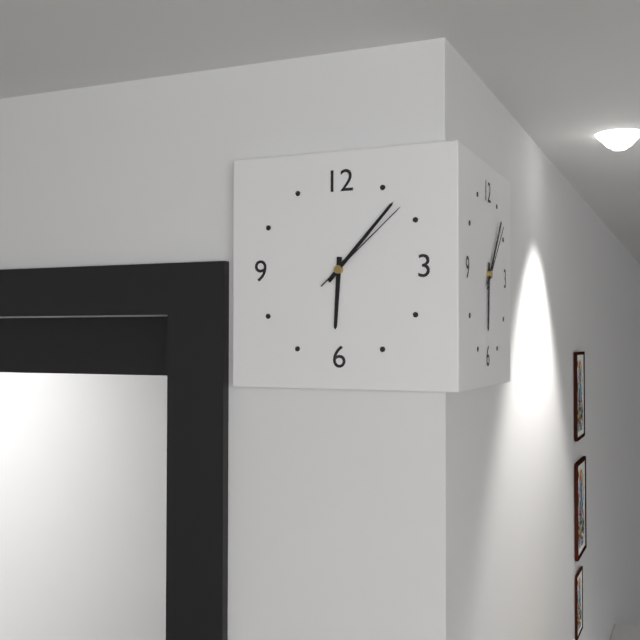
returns 6.07.08
